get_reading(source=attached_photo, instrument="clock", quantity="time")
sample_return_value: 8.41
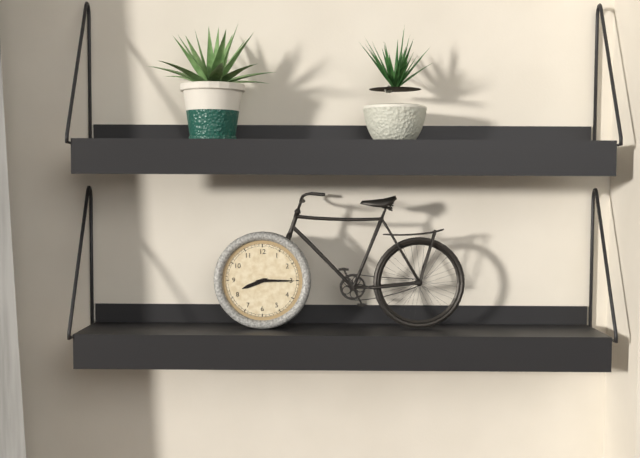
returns 8.15
